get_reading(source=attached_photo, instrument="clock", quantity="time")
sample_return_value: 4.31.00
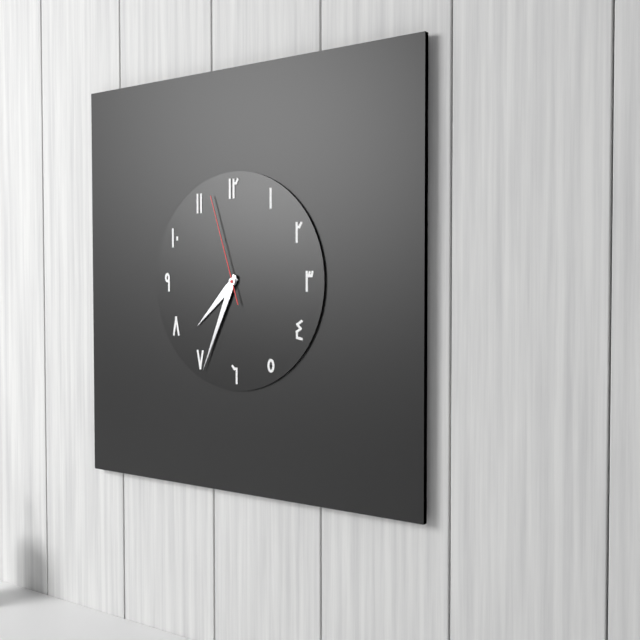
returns 7.34.57
